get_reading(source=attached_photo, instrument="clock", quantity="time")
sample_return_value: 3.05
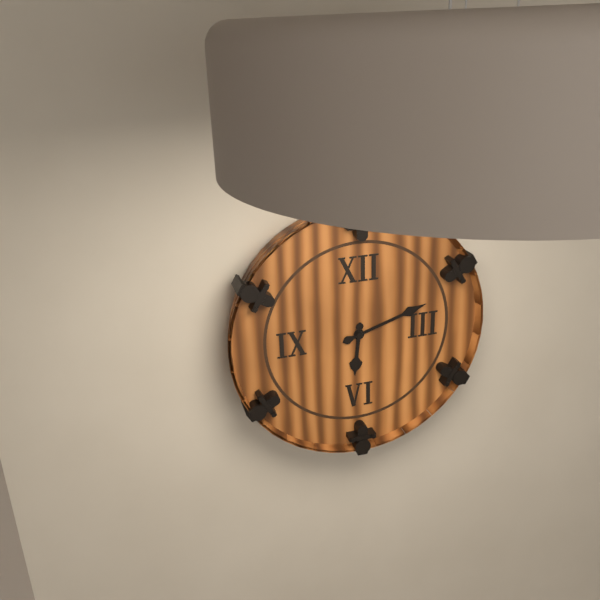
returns 6.12
